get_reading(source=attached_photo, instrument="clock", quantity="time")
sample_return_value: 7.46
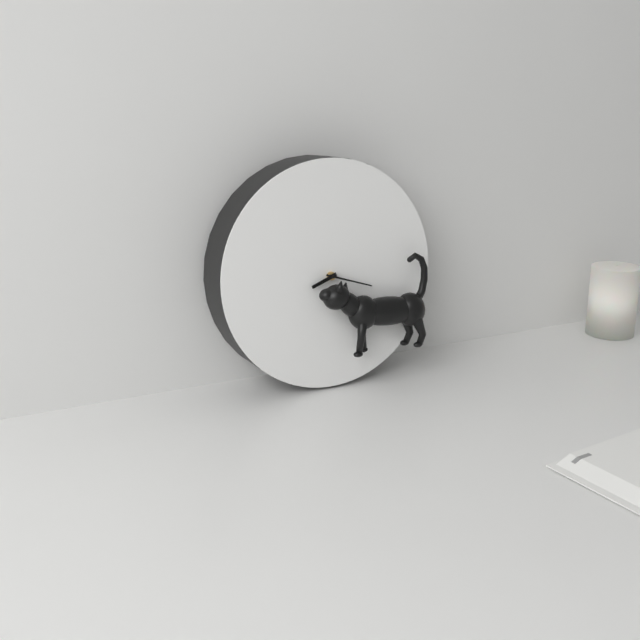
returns 8.18
